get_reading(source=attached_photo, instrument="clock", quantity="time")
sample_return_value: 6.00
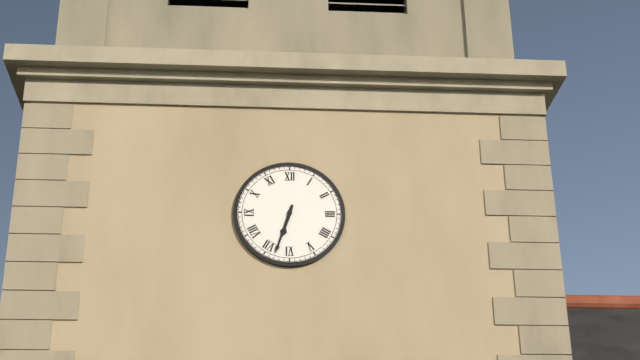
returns 6.33
